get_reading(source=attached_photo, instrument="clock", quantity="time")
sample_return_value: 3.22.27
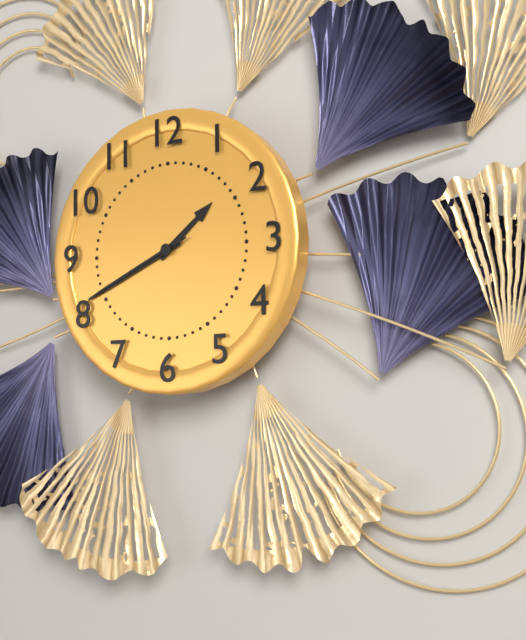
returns 1.41.41
